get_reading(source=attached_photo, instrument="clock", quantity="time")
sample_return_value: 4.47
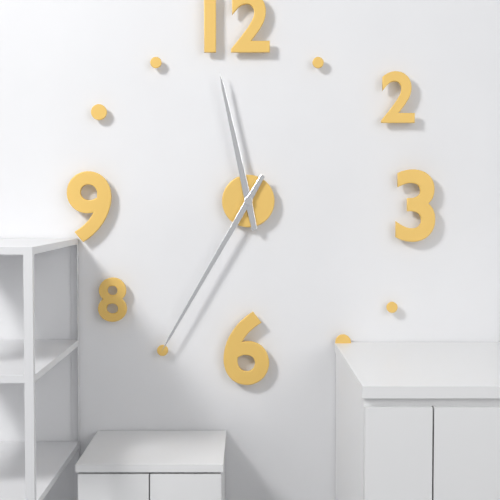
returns 11.35
